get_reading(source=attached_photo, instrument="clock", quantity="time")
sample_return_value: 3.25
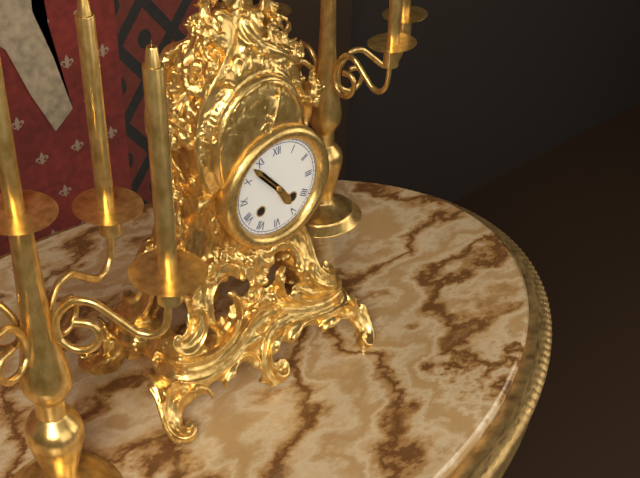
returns 4.53
